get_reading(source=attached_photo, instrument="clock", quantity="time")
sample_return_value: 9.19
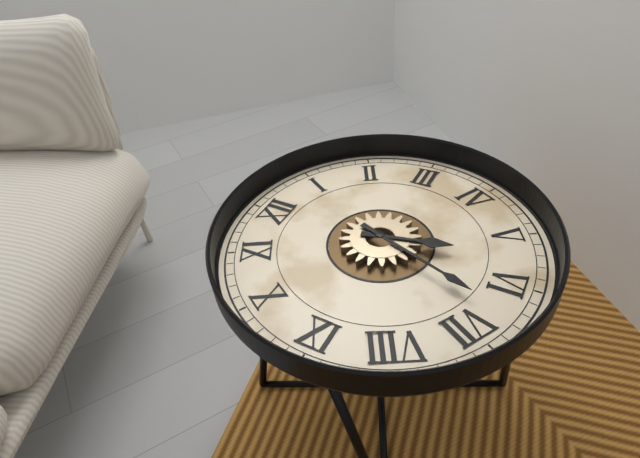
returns 5.33
